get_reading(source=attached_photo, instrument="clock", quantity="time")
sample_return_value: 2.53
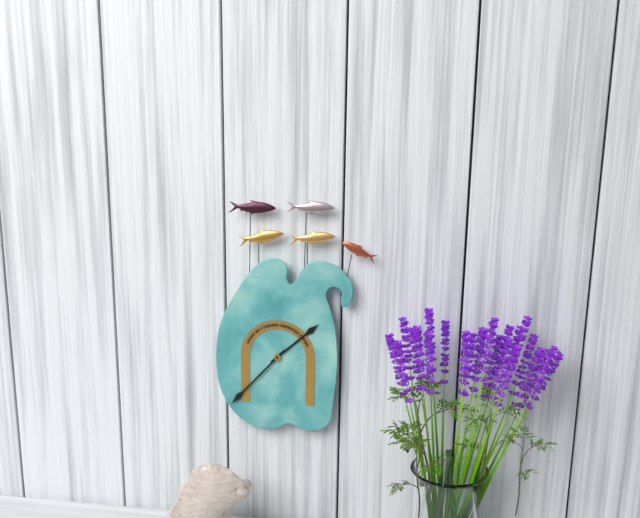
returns 1.37
